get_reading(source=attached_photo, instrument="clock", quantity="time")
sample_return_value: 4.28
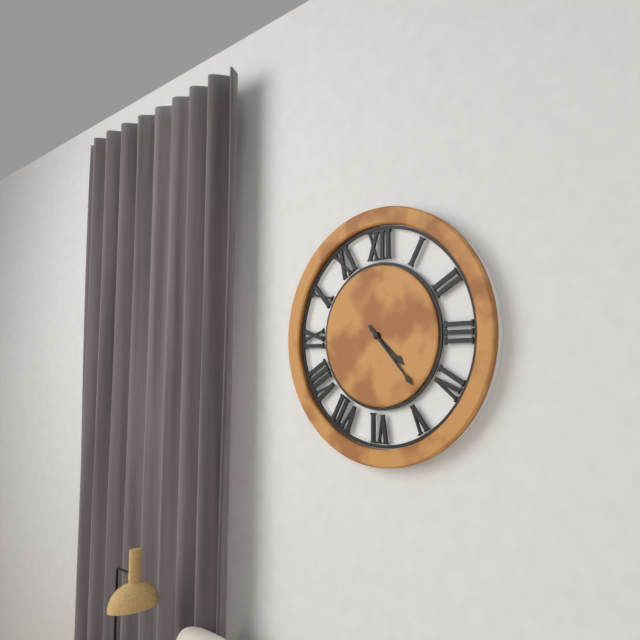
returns 4.23
